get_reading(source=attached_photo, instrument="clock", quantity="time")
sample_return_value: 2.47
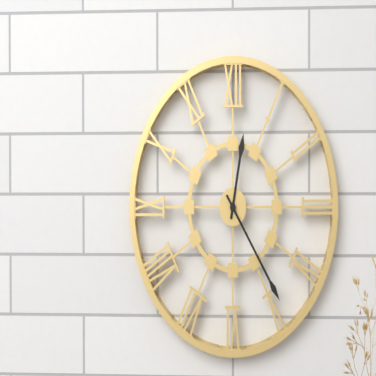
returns 12.24
